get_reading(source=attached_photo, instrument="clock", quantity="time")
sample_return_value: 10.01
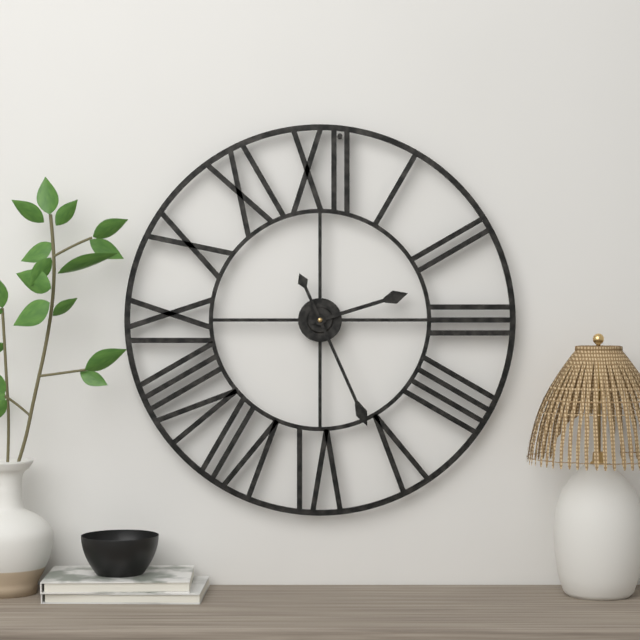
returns 2.26
